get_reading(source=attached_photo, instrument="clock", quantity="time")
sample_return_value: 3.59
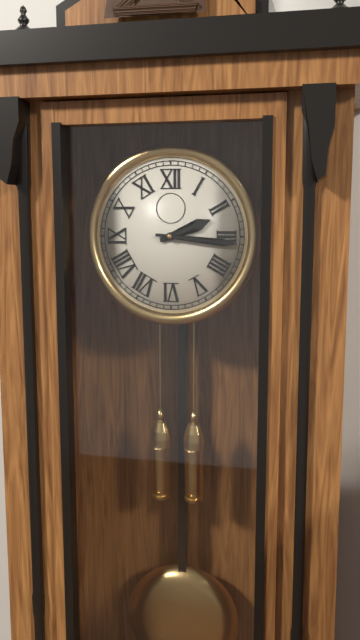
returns 2.16
